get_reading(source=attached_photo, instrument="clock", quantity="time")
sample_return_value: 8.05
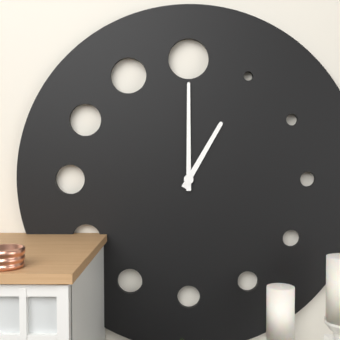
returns 1.00
